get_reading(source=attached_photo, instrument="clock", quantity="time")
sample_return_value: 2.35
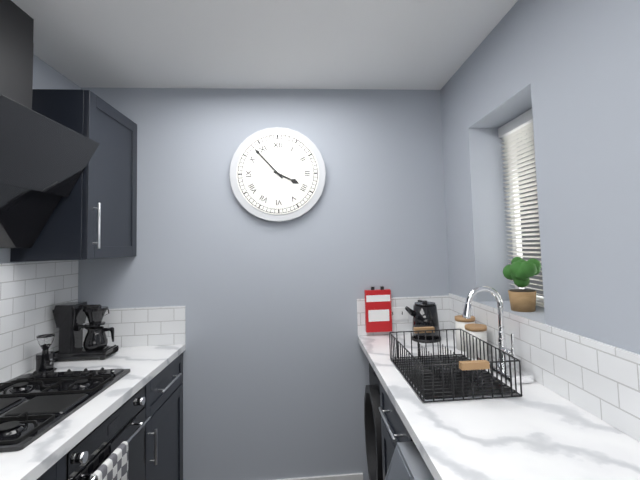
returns 3.53
